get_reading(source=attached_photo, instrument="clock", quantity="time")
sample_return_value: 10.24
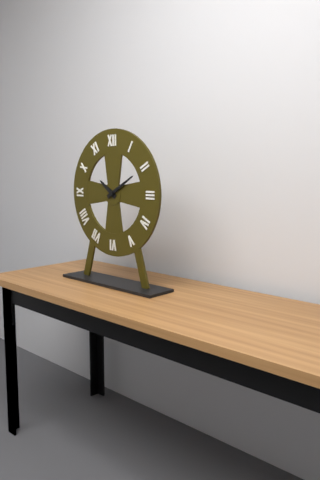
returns 10.10
